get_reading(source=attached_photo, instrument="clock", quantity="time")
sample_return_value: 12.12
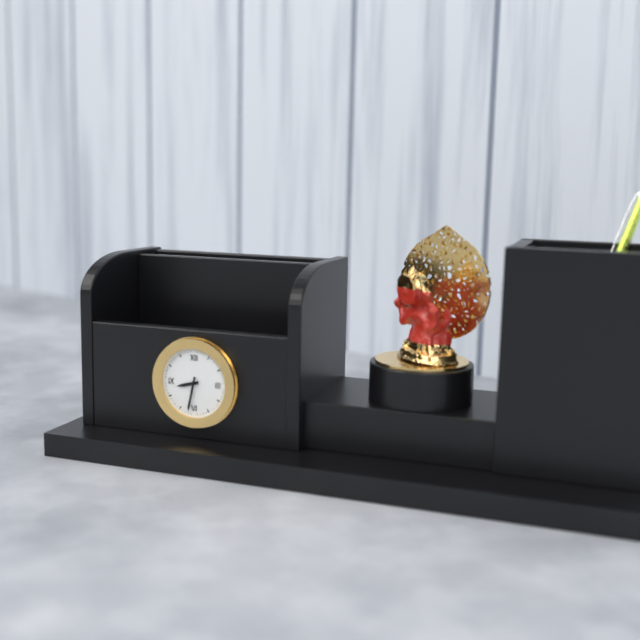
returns 8.32
